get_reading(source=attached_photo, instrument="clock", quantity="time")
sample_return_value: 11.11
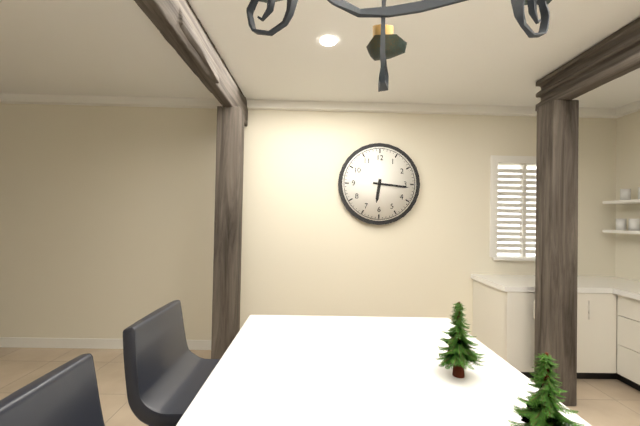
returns 6.16
